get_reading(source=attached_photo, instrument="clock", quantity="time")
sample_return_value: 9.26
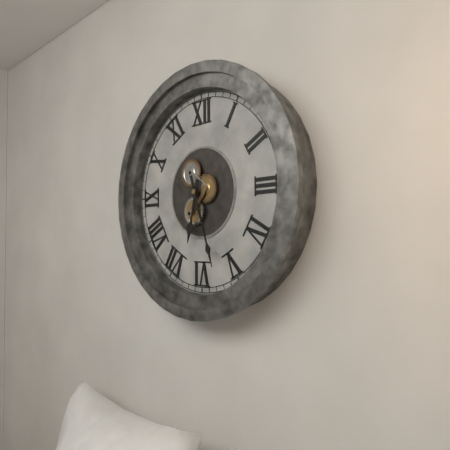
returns 6.27
